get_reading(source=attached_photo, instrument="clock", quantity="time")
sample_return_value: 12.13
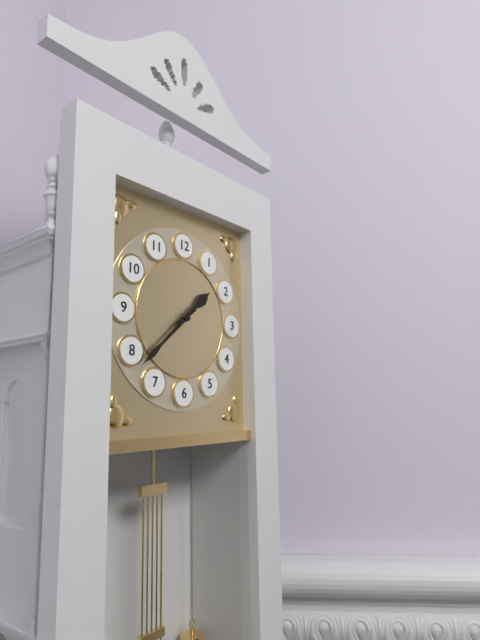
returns 1.38
